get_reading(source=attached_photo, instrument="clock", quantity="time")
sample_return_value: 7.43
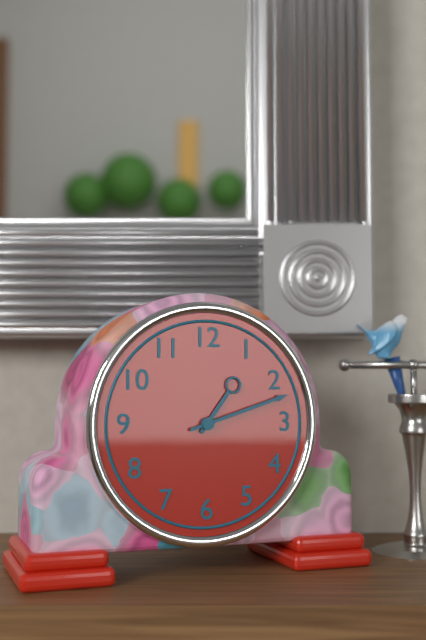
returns 1.12
